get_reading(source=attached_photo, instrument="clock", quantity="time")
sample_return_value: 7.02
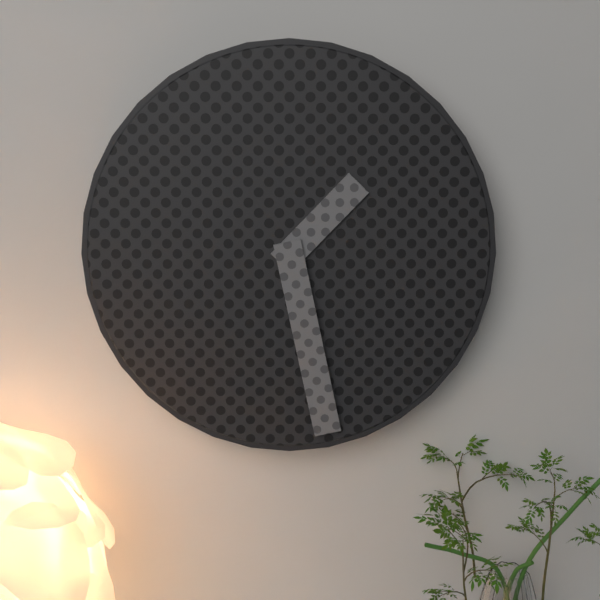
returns 1.28
